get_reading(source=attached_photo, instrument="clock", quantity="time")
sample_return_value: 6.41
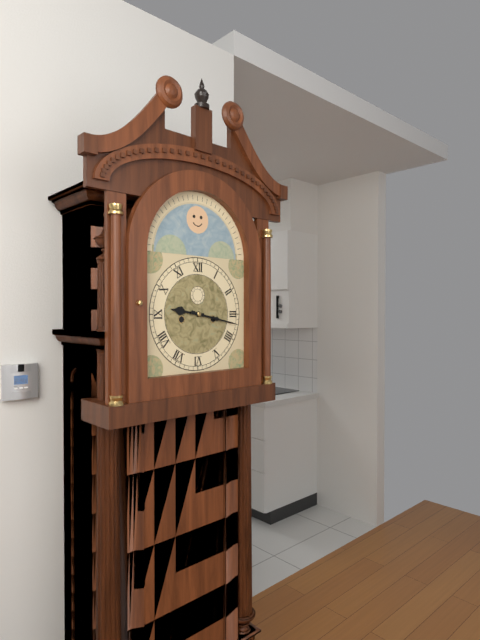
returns 9.17
